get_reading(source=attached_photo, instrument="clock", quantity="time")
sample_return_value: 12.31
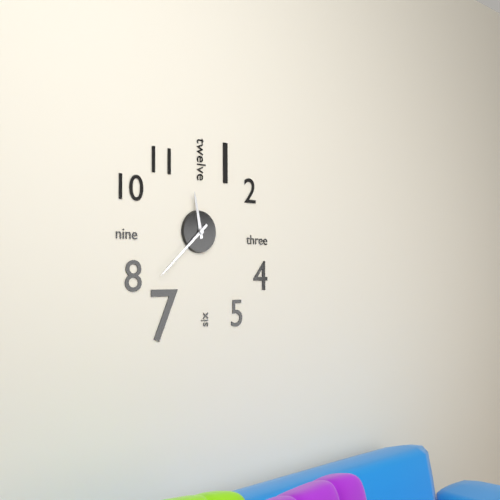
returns 11.38
